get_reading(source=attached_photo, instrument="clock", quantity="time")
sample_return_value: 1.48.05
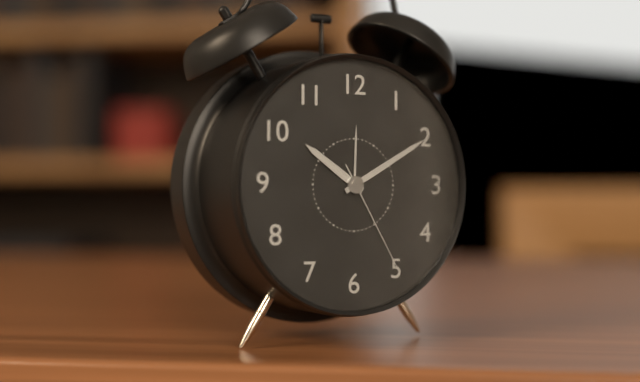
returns 10.10.25
